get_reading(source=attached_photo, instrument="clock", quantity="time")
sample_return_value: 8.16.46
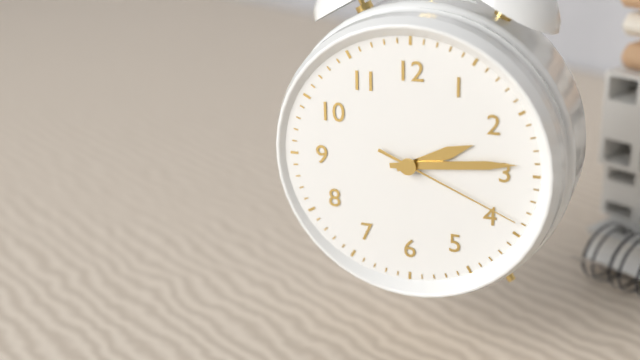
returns 2.14.19
